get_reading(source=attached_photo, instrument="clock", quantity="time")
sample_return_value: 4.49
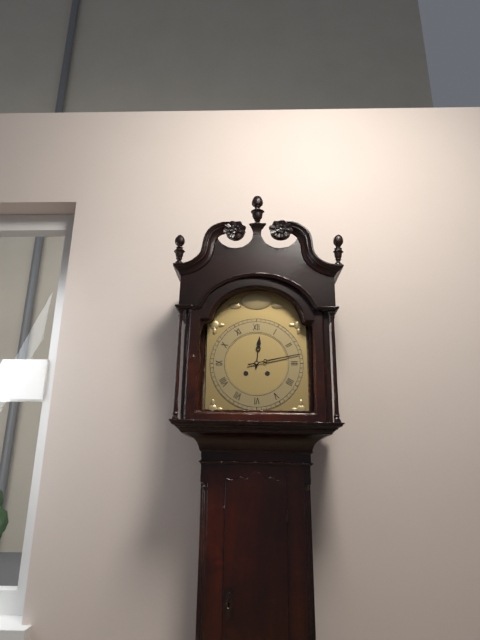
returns 12.13
